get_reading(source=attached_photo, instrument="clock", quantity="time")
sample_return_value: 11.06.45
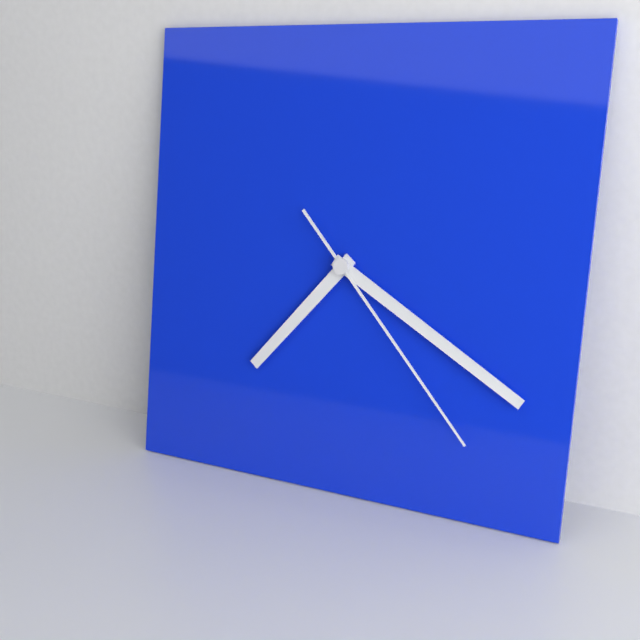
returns 7.20.23
